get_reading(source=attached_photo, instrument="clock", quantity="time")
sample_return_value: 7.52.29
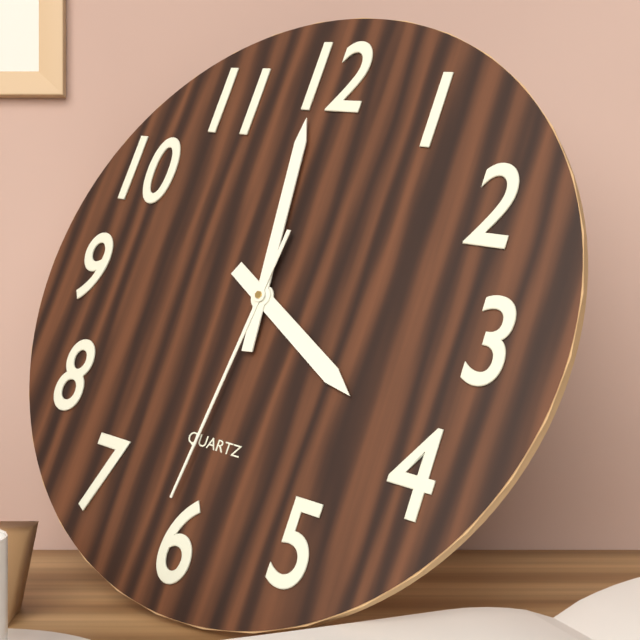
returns 3.59.31
